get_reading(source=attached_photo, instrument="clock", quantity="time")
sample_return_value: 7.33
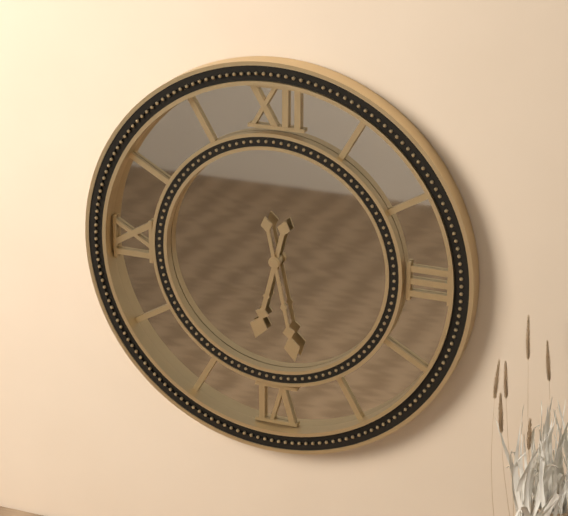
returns 6.28
